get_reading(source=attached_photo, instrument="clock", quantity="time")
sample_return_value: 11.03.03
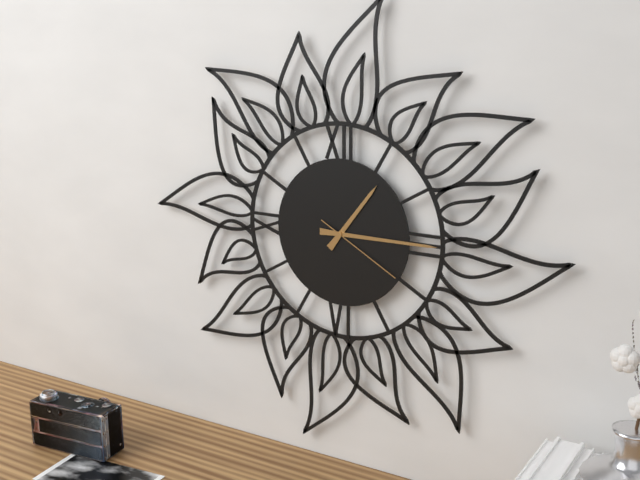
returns 1.15.20
